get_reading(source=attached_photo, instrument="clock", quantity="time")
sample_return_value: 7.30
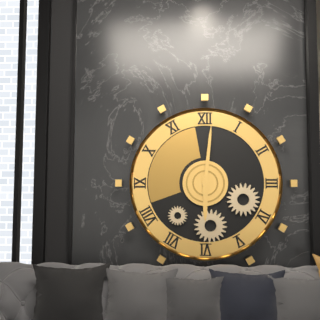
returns 6.01
